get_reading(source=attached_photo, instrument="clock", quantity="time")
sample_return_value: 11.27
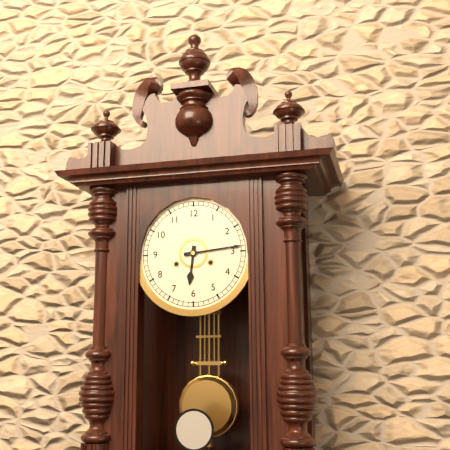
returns 6.14
